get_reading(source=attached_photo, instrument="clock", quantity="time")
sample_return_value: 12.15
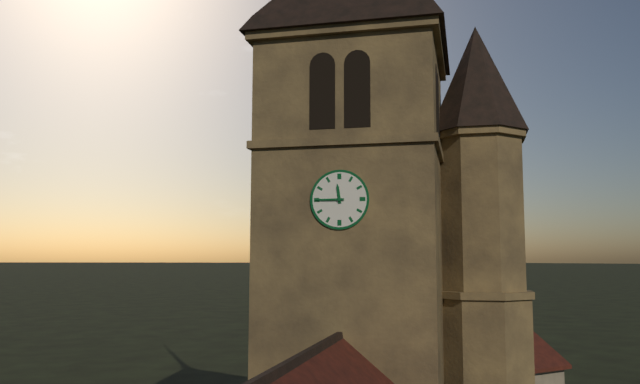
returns 11.45
